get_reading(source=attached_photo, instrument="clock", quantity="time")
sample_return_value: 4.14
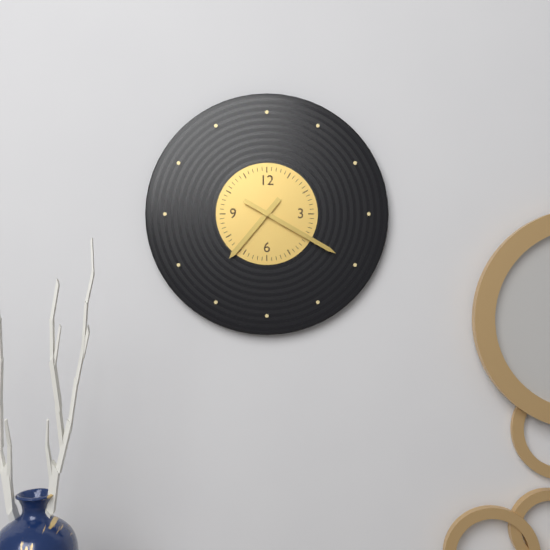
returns 7.20
